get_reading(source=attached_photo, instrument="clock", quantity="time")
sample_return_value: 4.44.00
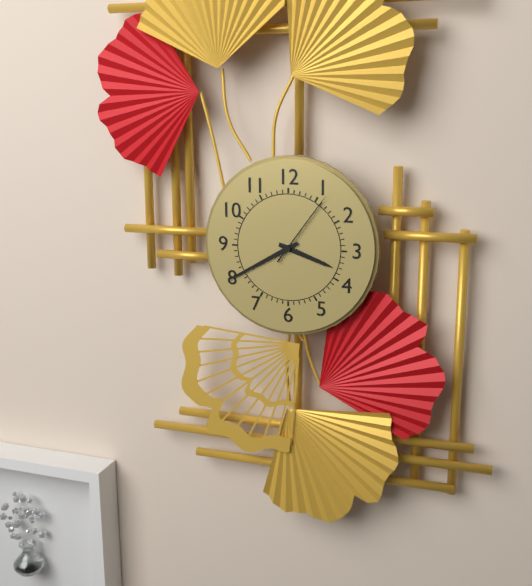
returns 3.40.06
